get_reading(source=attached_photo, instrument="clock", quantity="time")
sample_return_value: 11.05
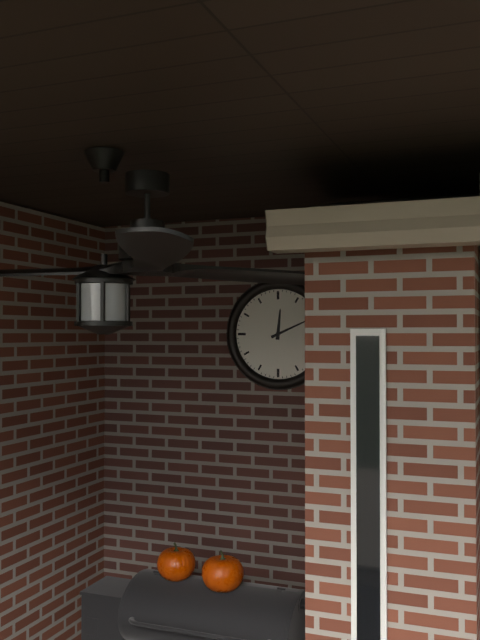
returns 12.11
